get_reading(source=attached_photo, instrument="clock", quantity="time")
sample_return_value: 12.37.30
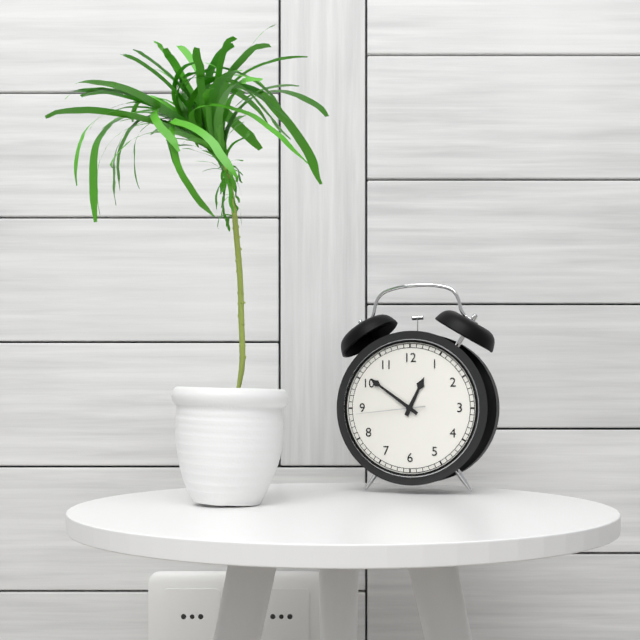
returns 12.51.44
